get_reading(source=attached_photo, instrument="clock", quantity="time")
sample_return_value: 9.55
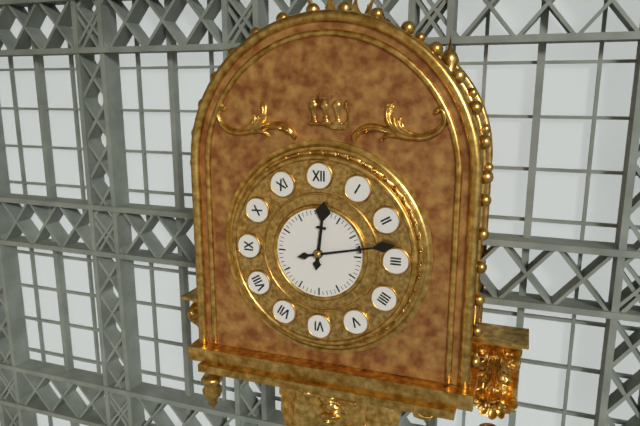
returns 12.13
